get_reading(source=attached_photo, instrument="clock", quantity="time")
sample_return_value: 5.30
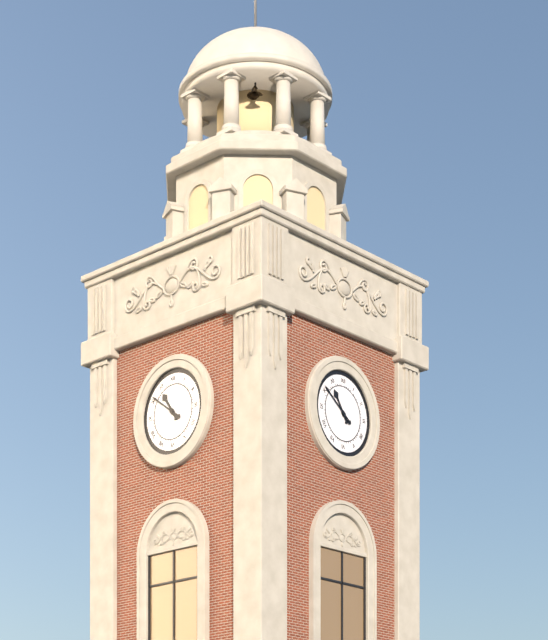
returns 10.51
